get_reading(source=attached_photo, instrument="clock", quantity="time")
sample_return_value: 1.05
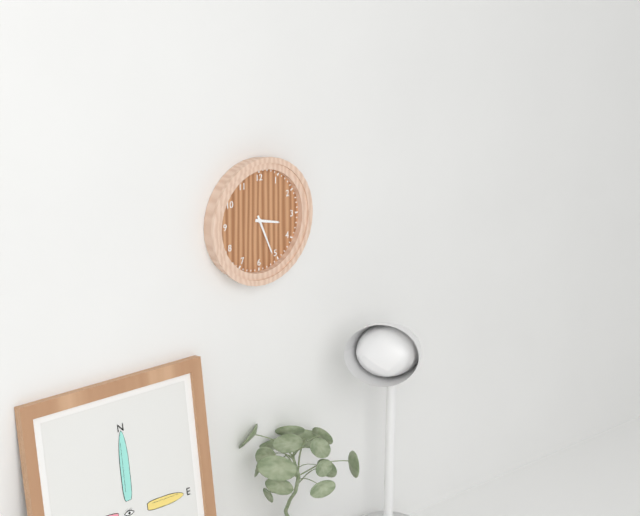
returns 3.26
